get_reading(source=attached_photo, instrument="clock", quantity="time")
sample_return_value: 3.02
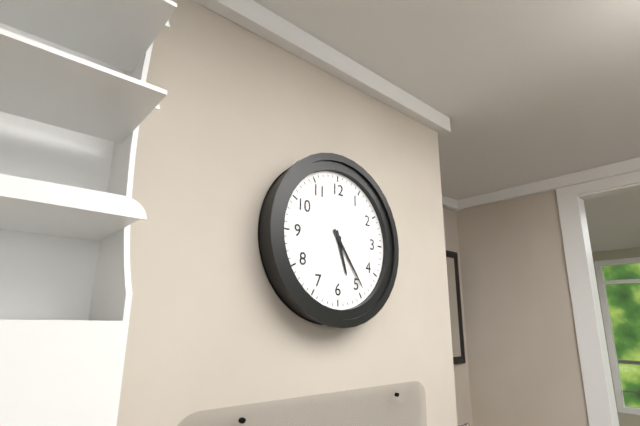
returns 5.24
